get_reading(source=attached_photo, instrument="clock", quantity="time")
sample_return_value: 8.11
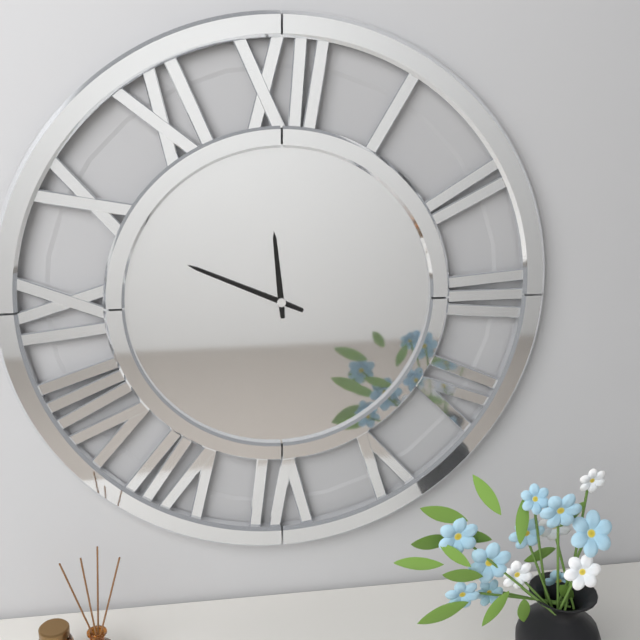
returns 11.49
